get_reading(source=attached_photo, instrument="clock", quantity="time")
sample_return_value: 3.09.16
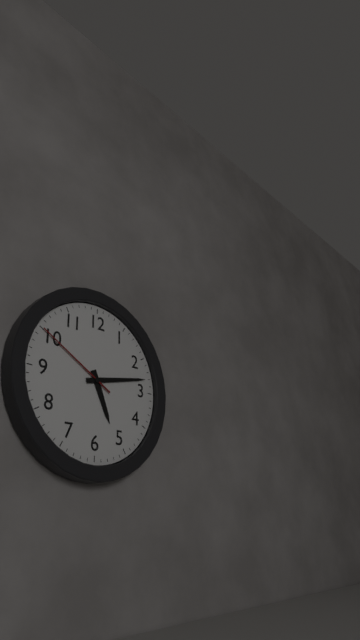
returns 5.13.50
